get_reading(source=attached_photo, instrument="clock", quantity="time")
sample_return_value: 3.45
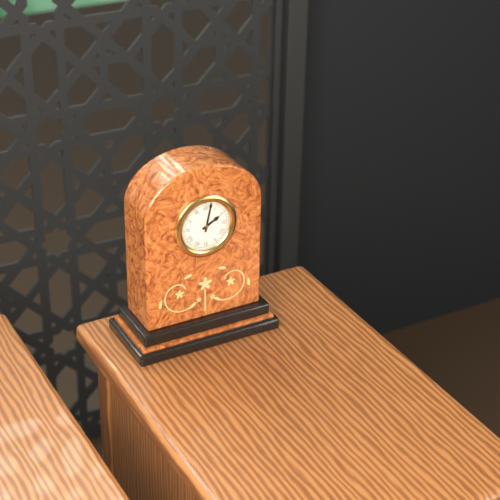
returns 2.02
